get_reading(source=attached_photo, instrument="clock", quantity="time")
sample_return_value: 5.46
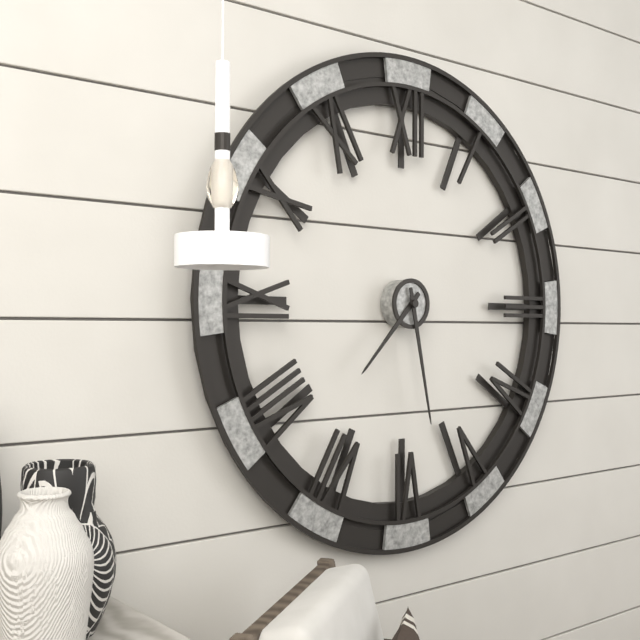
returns 7.28
